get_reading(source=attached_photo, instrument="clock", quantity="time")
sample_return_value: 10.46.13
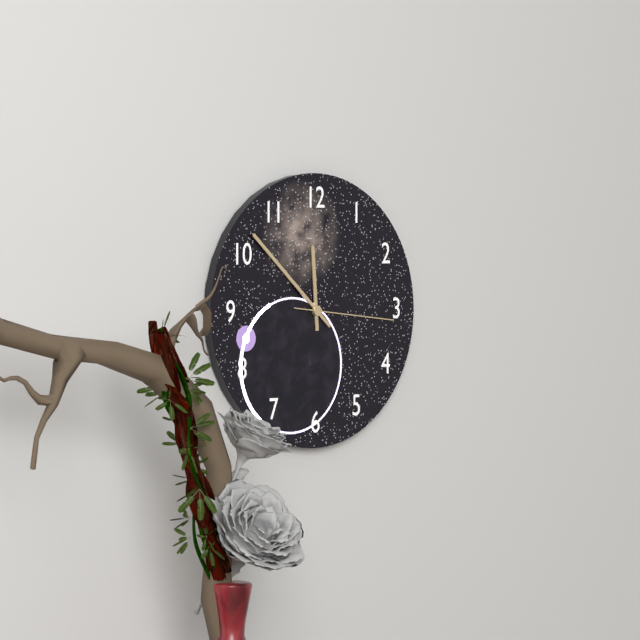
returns 11.52.16
